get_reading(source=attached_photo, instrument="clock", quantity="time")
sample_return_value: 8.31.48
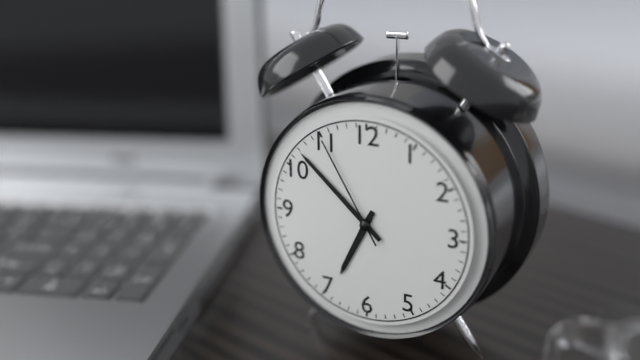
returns 6.52.55
